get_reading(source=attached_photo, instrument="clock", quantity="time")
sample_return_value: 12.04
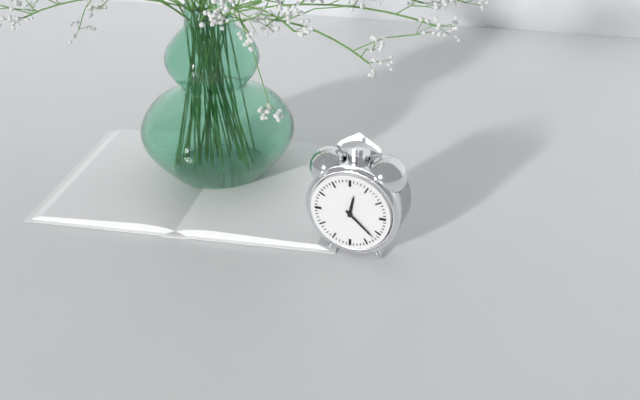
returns 12.22
